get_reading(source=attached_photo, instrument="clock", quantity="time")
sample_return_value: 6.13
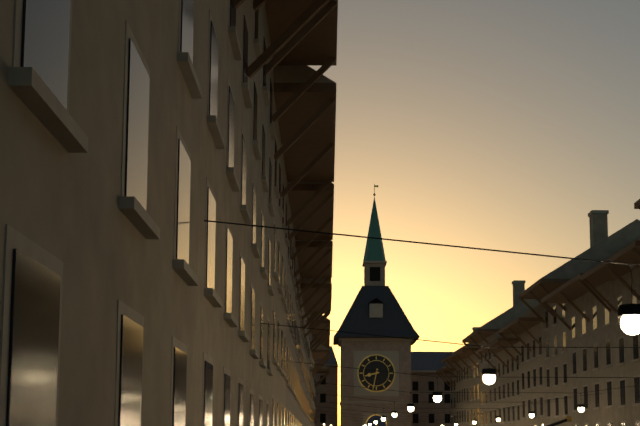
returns 8.32
